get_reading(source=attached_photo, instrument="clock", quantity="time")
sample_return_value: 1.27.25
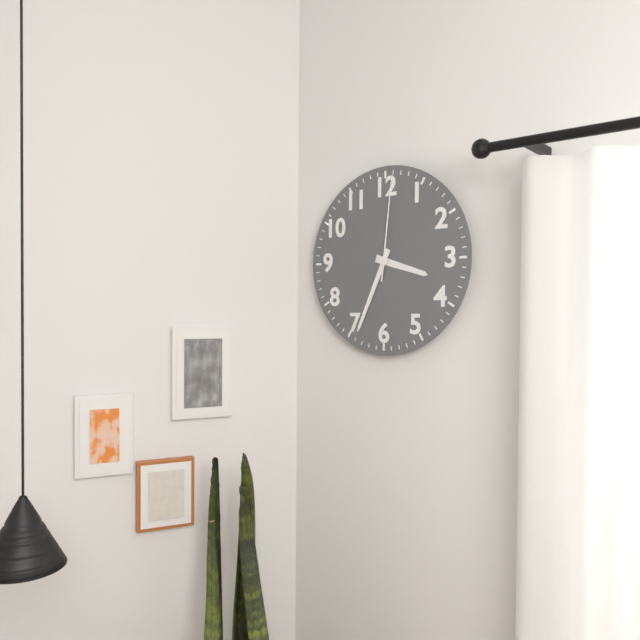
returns 3.34.01
